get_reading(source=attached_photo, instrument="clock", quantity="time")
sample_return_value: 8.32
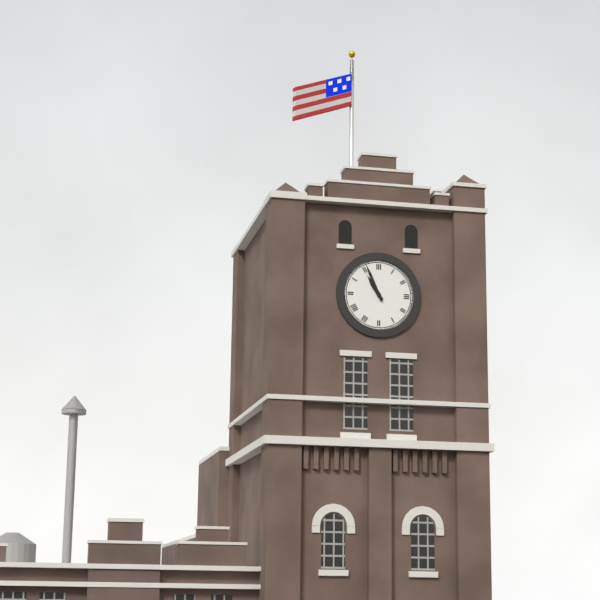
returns 10.56
